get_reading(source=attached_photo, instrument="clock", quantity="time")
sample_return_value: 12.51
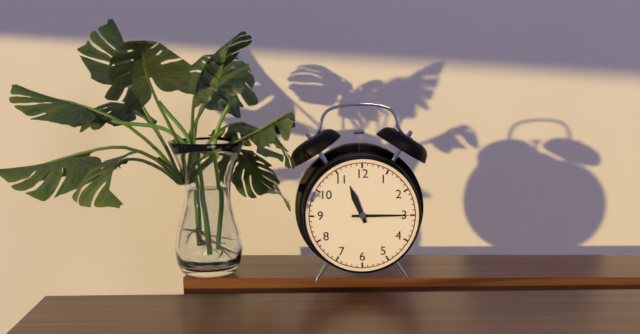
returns 11.15
